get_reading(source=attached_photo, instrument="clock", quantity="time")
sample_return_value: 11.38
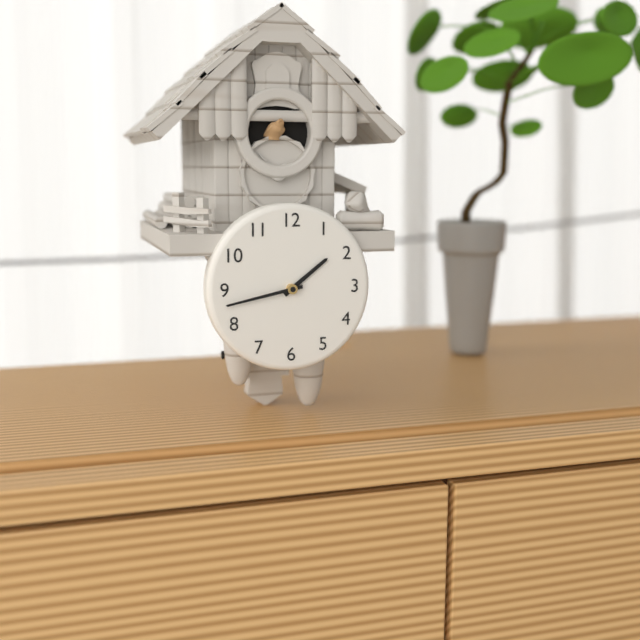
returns 1.43
